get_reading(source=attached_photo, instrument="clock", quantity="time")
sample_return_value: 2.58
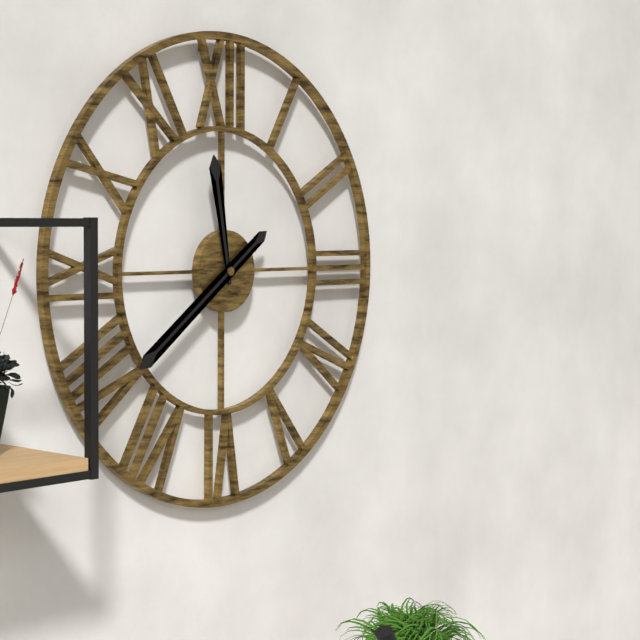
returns 11.39
